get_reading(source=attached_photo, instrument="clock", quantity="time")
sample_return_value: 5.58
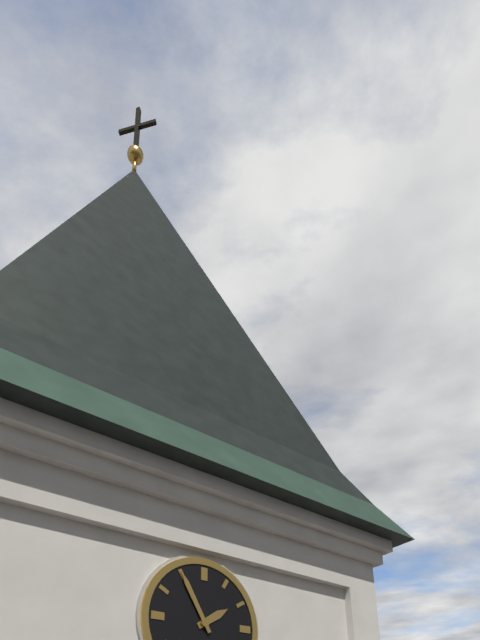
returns 1.55
